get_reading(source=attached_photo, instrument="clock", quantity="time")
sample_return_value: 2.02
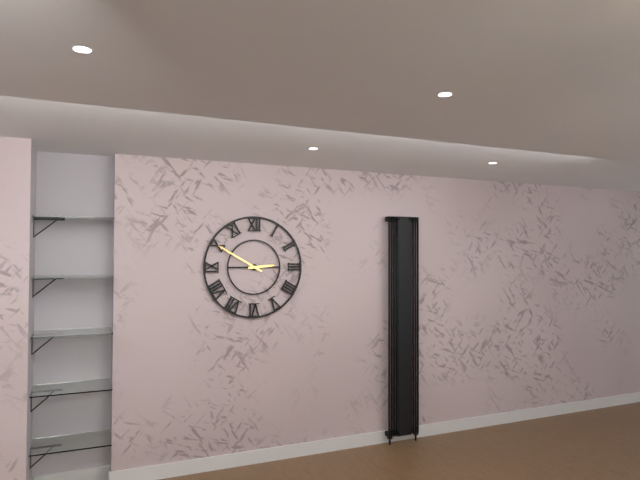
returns 2.50
